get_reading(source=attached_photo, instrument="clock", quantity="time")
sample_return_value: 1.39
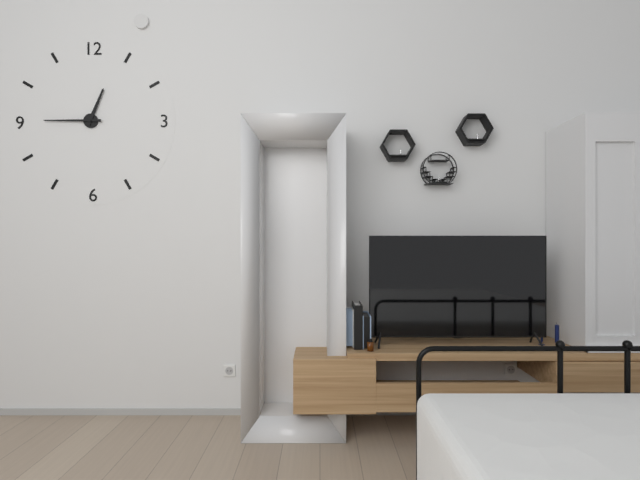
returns 12.45
